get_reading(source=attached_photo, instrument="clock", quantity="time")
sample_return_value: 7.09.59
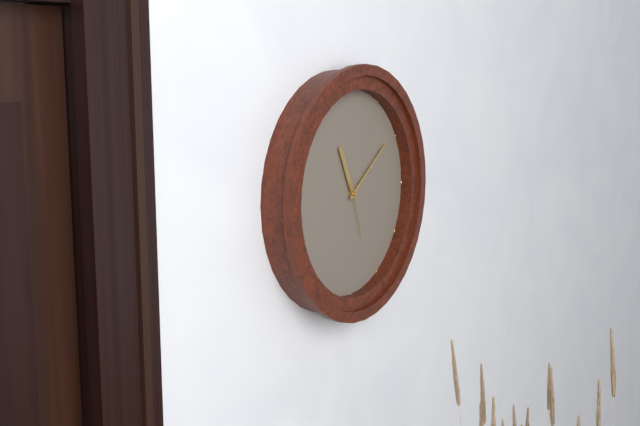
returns 11.09.27
